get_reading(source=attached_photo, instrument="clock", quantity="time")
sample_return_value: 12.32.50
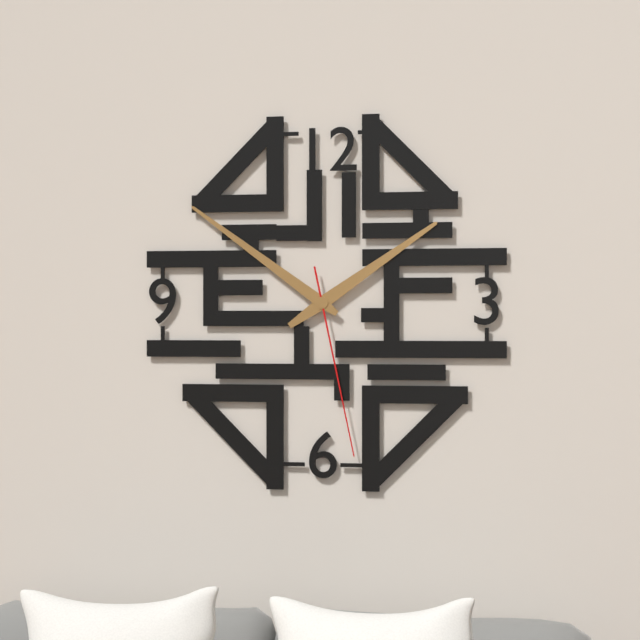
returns 1.51.28
